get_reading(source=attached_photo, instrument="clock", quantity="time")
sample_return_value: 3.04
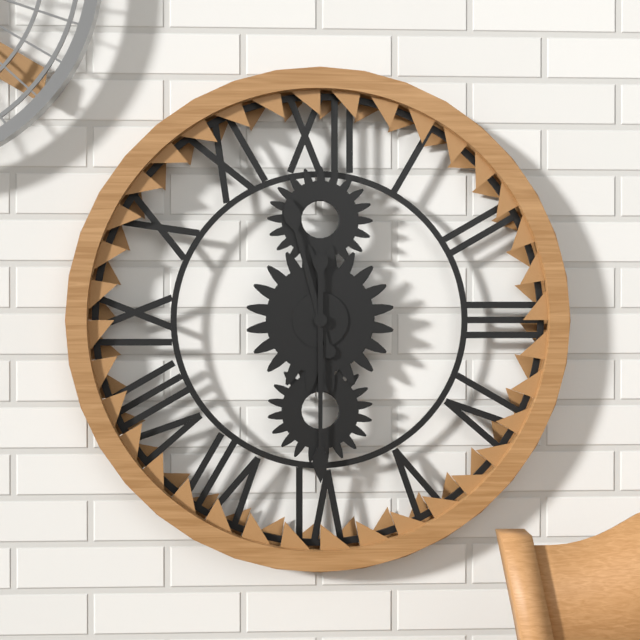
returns 11.30
